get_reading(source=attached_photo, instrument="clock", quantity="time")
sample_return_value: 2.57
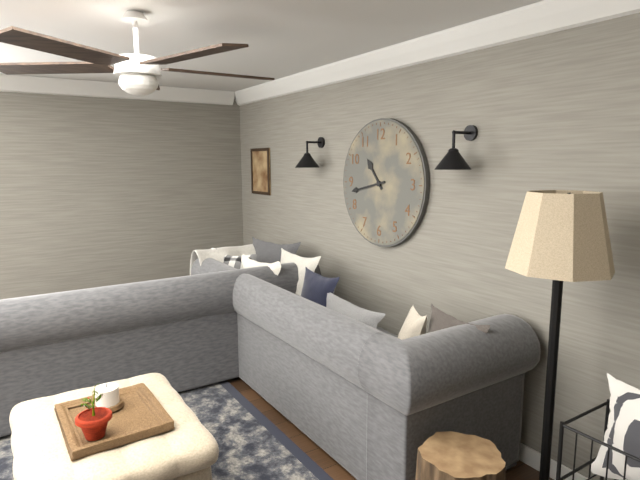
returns 10.43
